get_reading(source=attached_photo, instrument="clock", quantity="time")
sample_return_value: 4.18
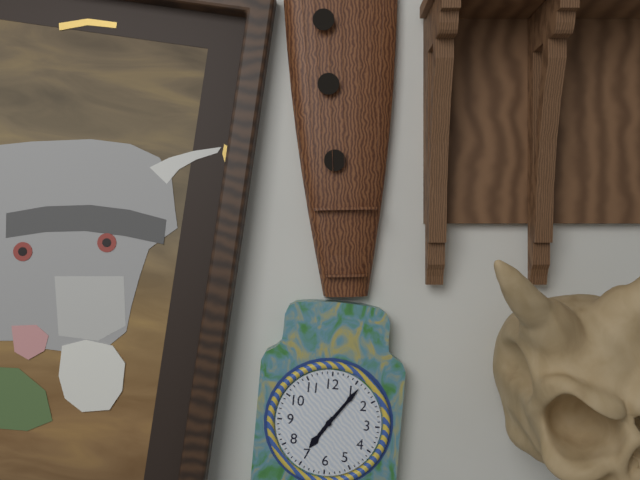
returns 7.06
